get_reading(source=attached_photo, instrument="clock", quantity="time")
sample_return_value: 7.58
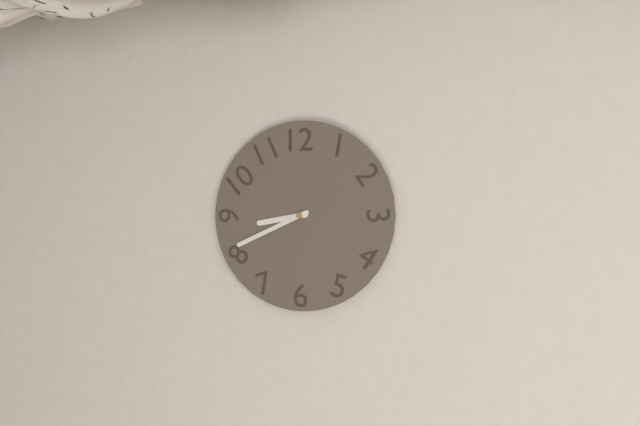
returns 8.41
